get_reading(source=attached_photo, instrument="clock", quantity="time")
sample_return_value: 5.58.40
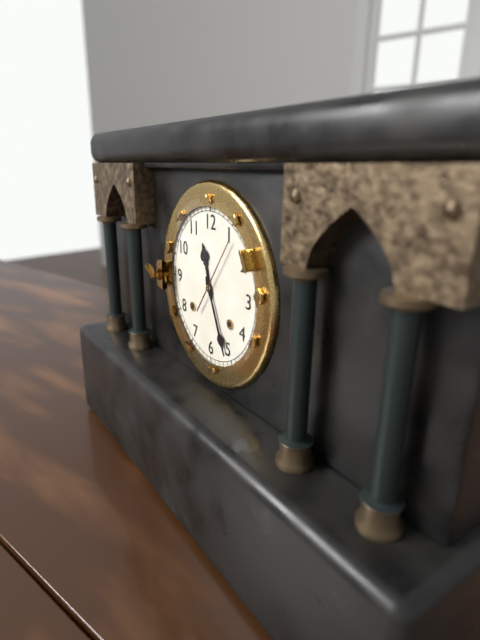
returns 11.26.06
